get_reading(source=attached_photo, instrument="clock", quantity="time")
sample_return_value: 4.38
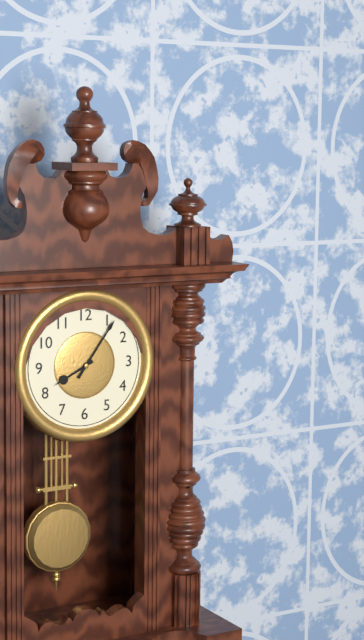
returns 8.06
